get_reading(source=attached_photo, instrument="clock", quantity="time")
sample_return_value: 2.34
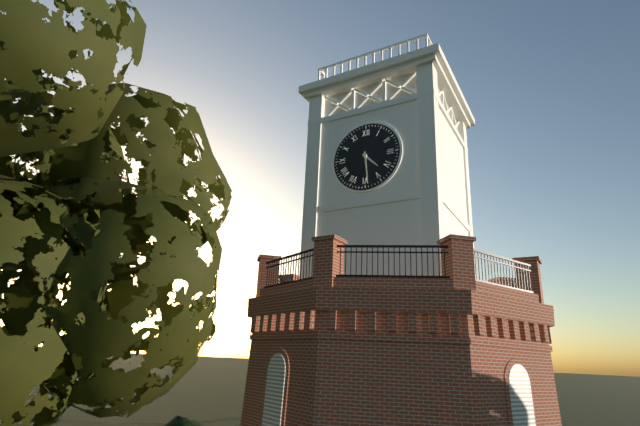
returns 4.29
